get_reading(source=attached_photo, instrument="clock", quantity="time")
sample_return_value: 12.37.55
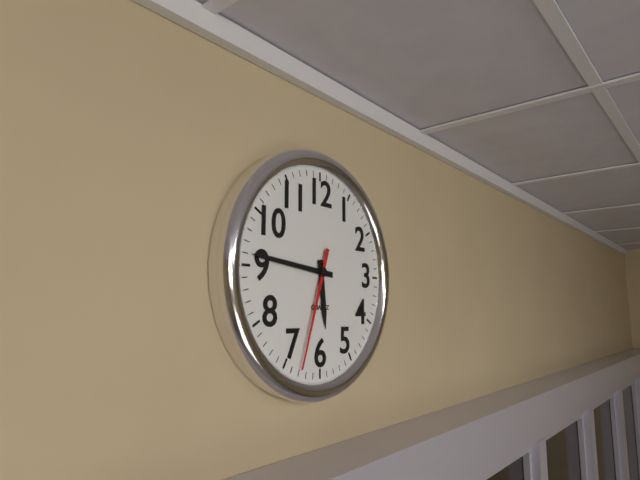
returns 5.46.33
